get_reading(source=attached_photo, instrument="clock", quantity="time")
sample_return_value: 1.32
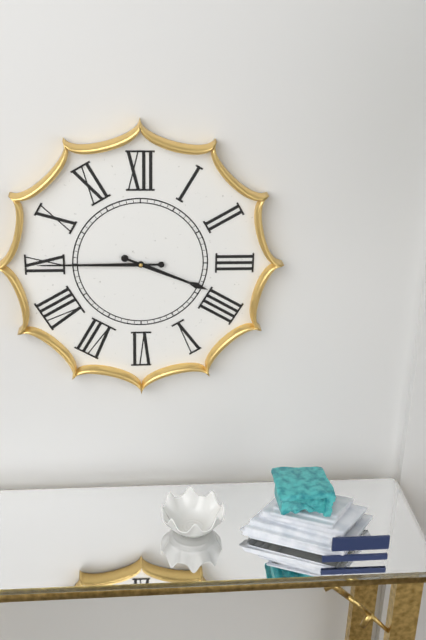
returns 3.45
